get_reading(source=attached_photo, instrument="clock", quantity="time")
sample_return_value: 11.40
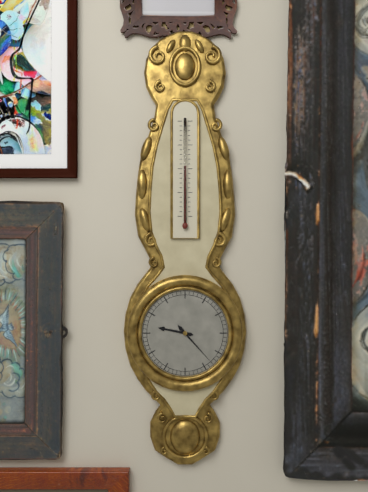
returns 9.23
